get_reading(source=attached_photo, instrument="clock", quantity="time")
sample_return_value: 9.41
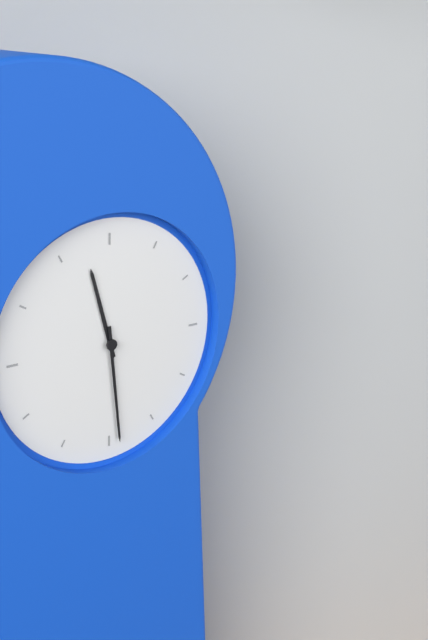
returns 11.29
